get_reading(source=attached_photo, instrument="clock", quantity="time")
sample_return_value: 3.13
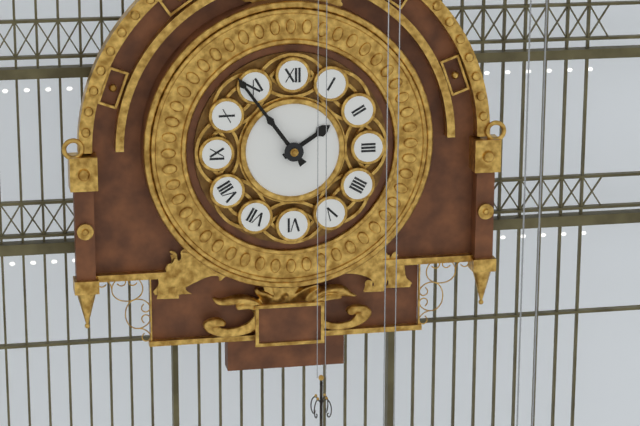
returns 1.54
